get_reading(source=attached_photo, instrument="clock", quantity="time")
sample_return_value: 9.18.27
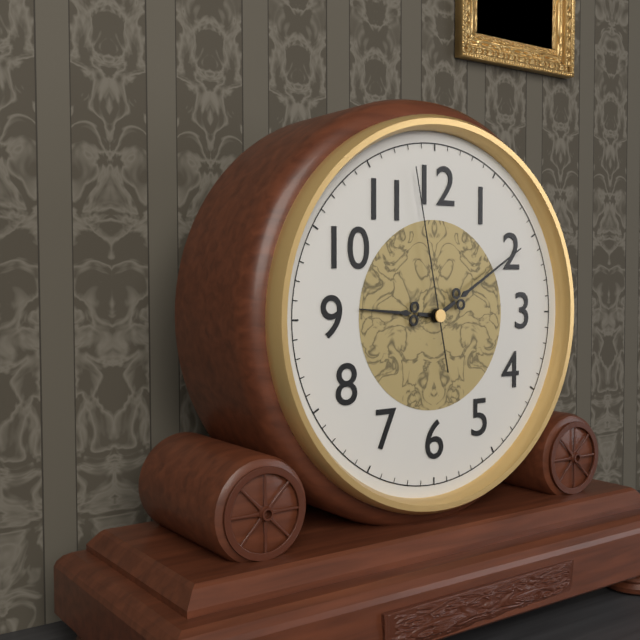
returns 9.10.58
